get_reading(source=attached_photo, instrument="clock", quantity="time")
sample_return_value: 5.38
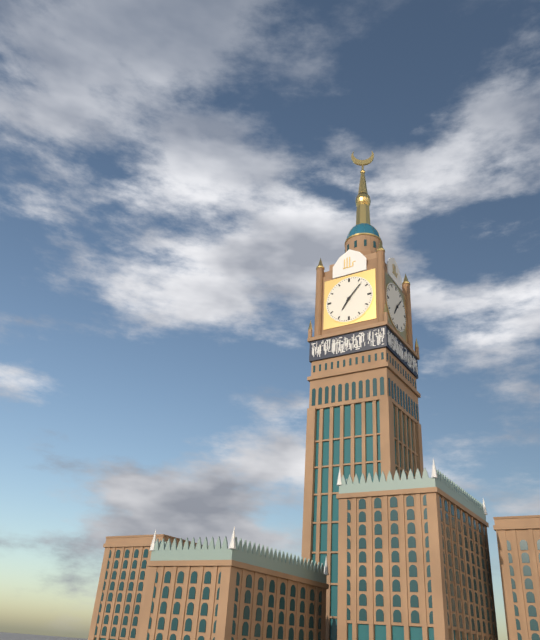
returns 7.07
